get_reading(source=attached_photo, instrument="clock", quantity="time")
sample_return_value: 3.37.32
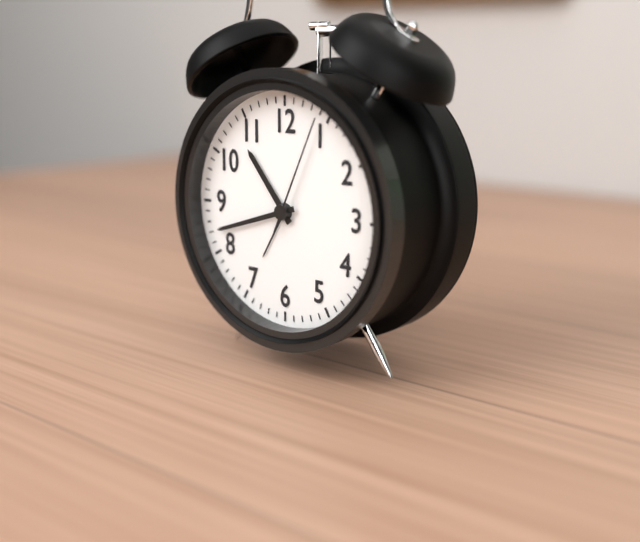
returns 10.42.04
